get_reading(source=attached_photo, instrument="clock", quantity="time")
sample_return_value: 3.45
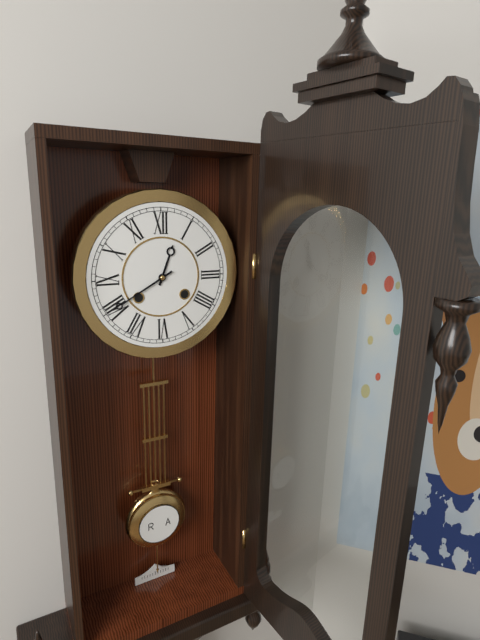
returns 12.40
